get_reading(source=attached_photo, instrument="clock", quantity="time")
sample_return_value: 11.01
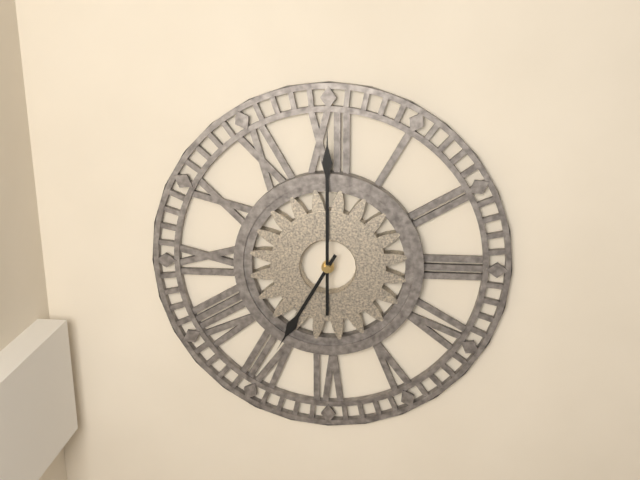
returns 7.00
